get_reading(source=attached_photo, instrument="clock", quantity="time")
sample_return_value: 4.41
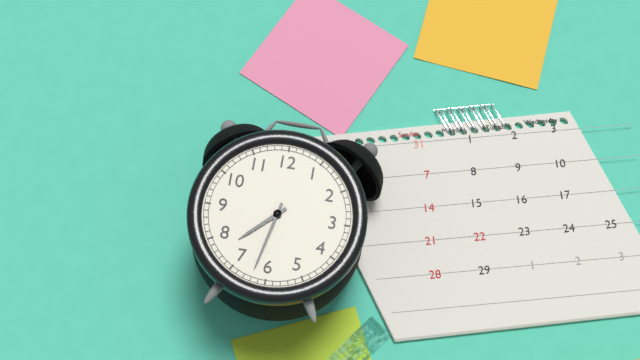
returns 7.32
